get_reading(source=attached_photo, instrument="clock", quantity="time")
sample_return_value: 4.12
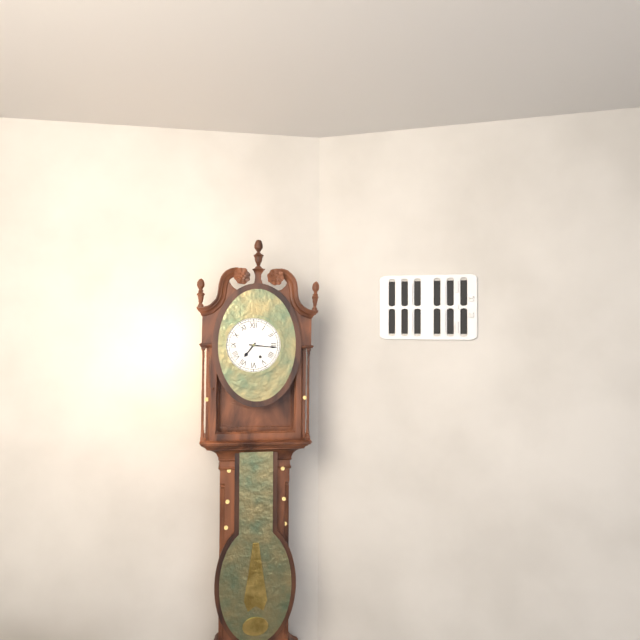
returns 7.16
